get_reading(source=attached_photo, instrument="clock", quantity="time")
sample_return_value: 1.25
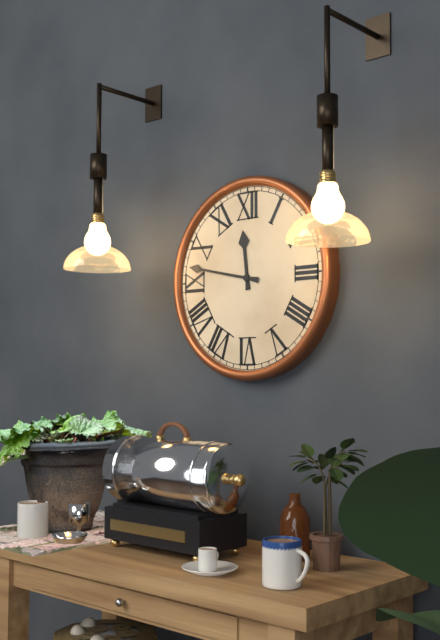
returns 11.47
